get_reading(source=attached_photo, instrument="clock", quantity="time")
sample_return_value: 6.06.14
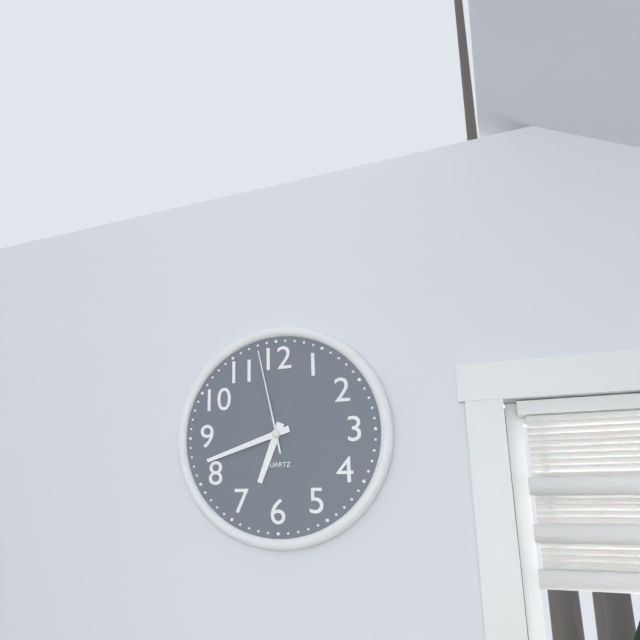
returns 6.42.58
